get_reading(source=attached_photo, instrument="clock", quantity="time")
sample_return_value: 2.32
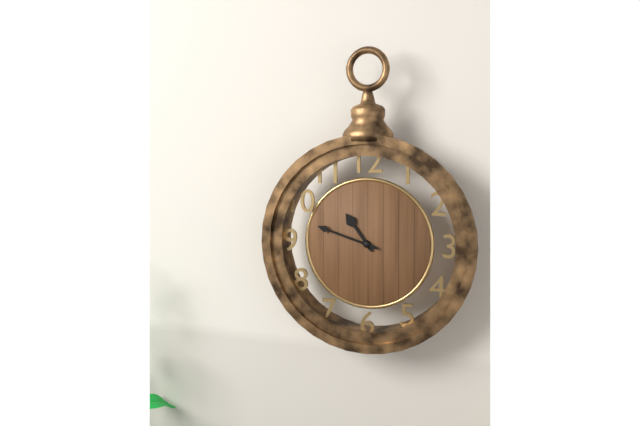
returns 10.48
